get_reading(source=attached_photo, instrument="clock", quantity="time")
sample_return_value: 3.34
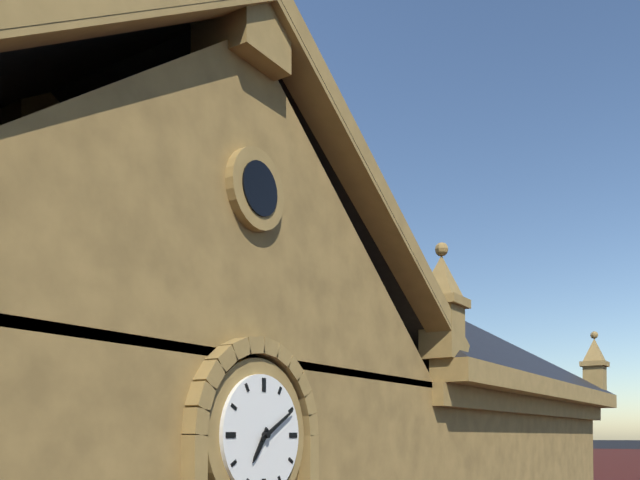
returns 7.10
